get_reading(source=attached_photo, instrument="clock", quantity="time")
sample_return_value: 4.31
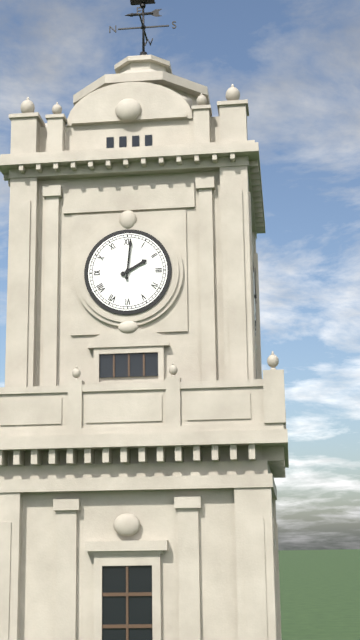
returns 2.01
